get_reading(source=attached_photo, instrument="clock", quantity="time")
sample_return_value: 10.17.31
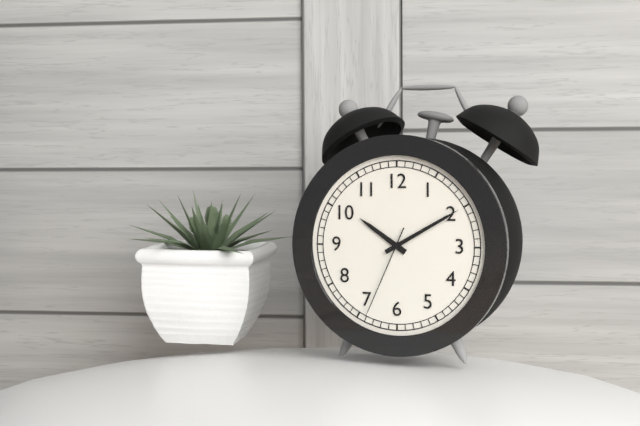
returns 10.10.34
